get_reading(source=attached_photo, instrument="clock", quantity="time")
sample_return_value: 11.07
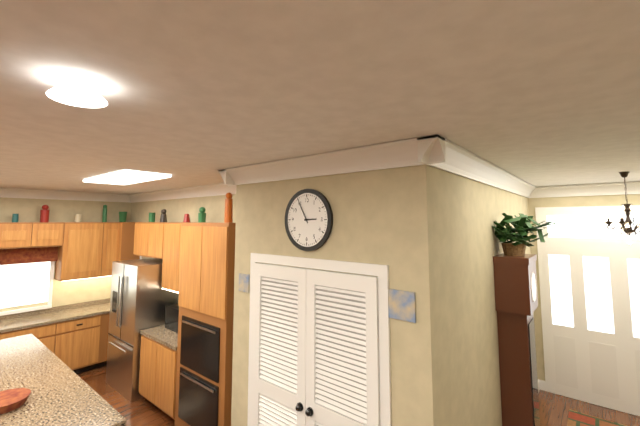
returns 2.55
